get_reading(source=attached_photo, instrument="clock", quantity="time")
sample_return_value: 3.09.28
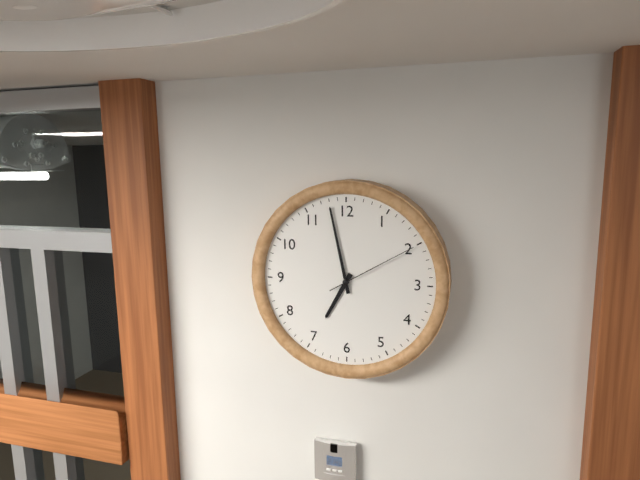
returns 6.58.10
